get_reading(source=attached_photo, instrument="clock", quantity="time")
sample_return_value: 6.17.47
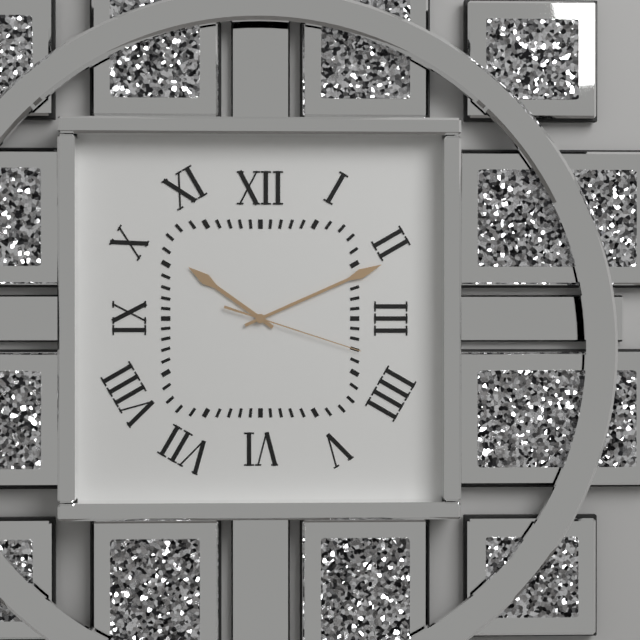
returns 10.11.18
